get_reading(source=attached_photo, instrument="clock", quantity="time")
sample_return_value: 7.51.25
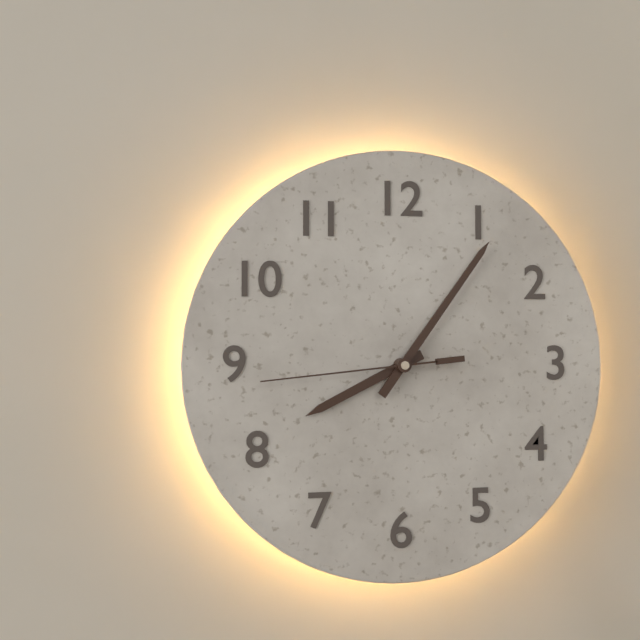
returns 8.06.44
